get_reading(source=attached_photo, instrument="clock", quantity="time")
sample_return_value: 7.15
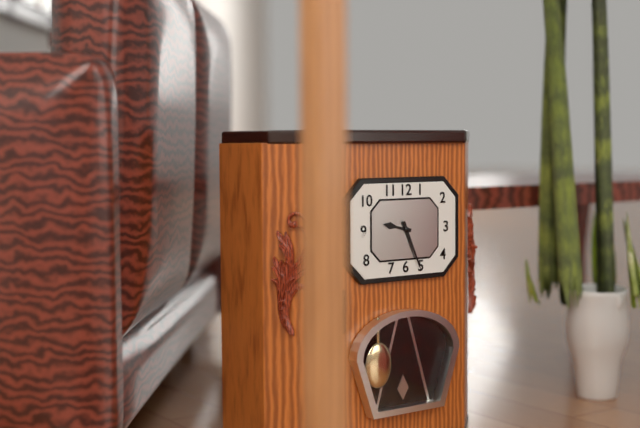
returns 9.26
